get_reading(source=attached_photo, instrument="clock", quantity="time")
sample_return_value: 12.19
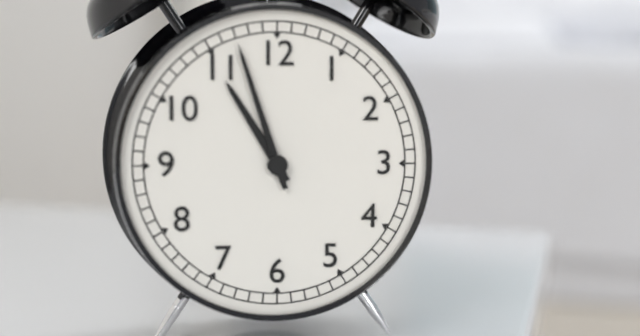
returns 10.57
